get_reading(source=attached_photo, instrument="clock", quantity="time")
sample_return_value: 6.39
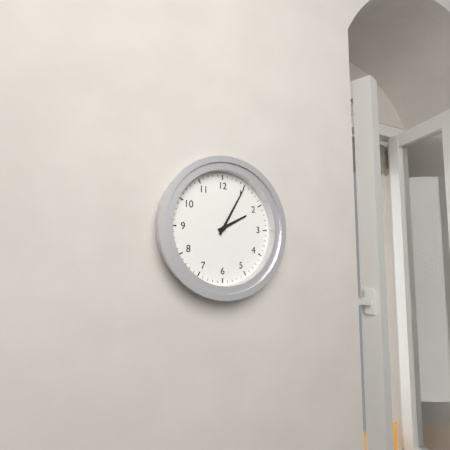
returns 2.05
